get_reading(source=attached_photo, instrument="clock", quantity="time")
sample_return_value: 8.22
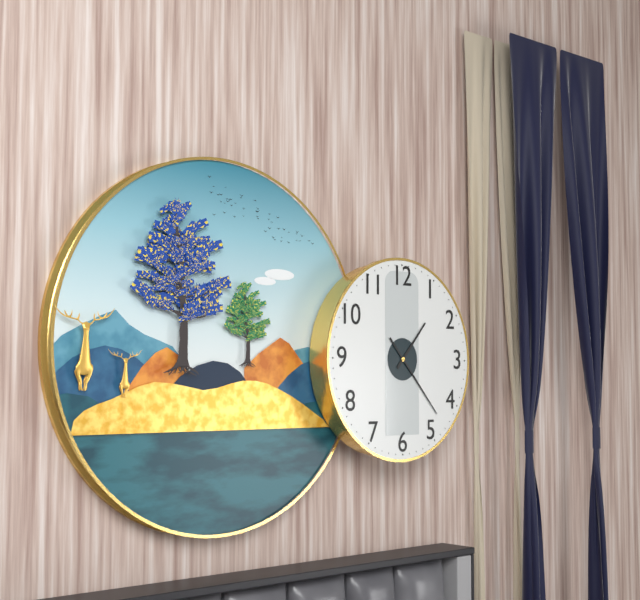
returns 1.23
